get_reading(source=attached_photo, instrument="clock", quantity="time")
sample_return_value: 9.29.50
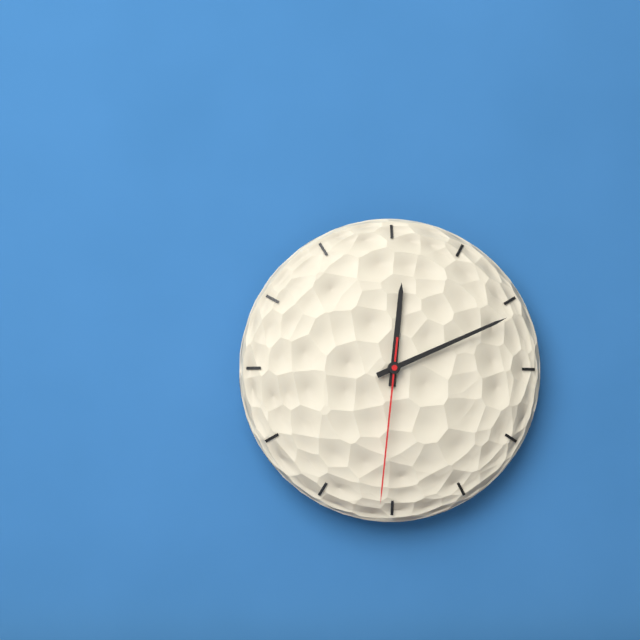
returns 12.11.31
